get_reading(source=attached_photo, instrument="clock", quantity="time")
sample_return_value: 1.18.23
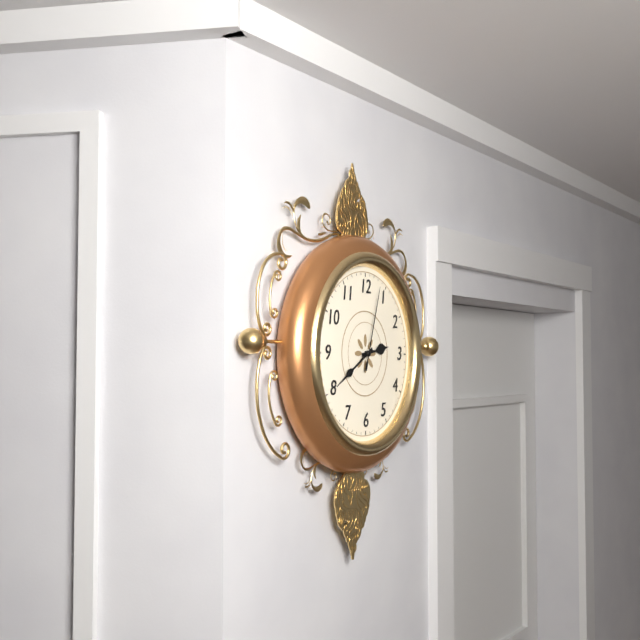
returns 2.40.03
